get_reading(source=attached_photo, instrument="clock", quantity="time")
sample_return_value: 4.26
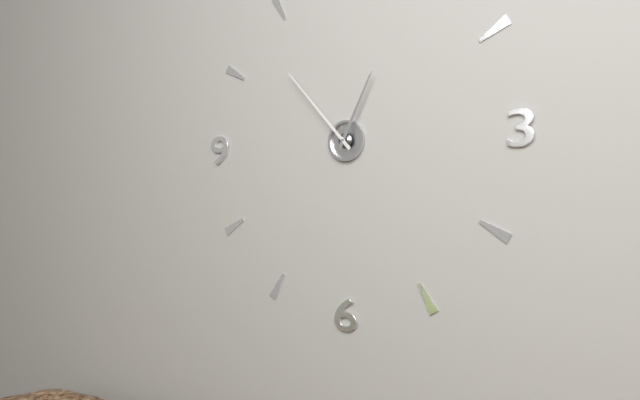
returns 12.53
